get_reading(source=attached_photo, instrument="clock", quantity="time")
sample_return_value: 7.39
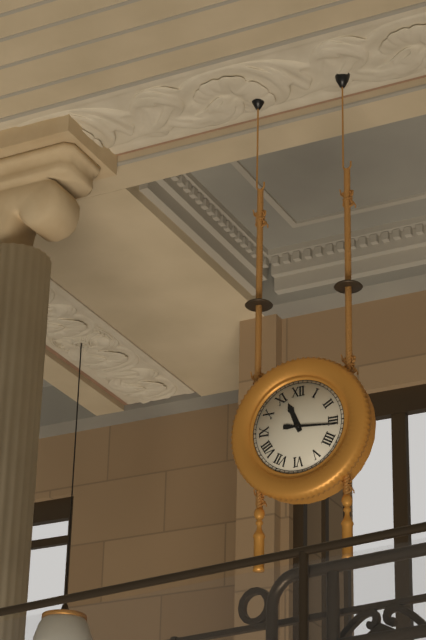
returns 11.16
